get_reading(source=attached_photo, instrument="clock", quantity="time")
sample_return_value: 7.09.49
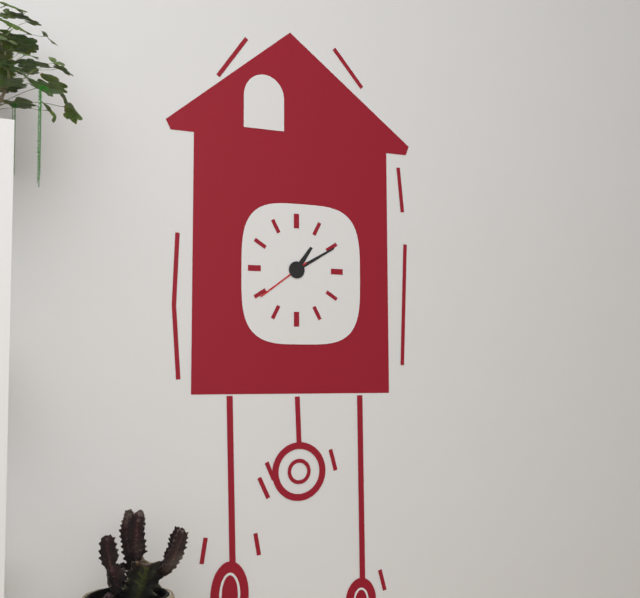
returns 1.10.39
